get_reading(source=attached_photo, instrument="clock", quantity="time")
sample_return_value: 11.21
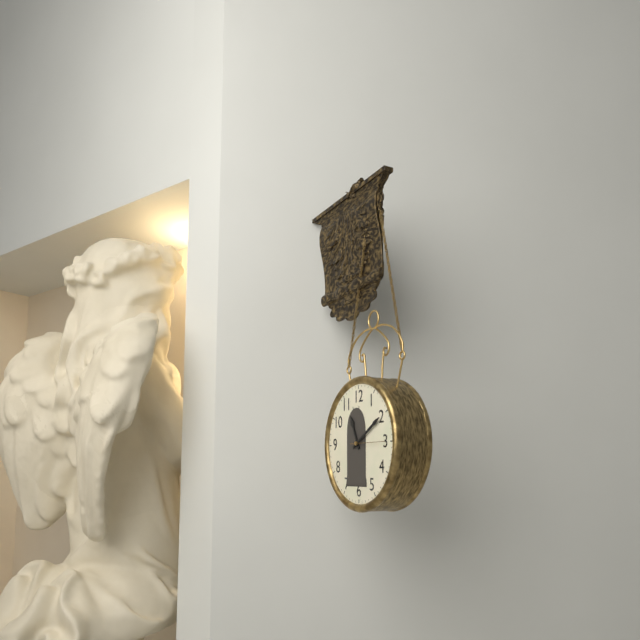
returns 11.10
